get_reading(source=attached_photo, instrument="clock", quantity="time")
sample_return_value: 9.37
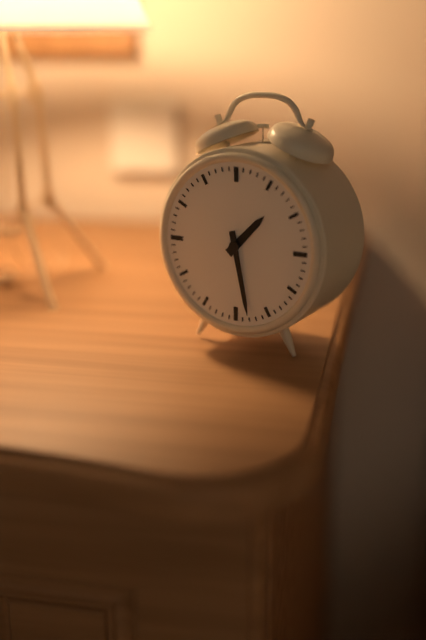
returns 1.28
